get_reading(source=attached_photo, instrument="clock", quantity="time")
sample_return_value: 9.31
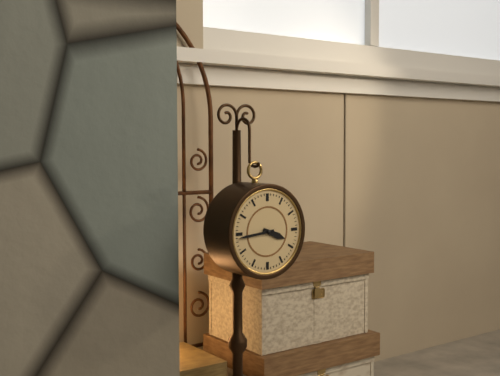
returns 3.44
